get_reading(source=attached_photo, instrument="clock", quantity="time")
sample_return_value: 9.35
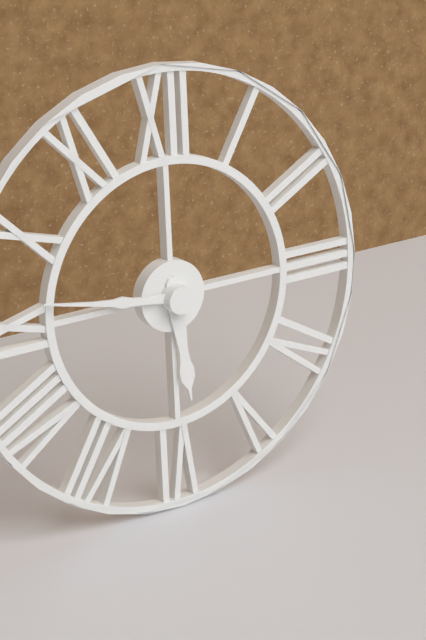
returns 5.46
